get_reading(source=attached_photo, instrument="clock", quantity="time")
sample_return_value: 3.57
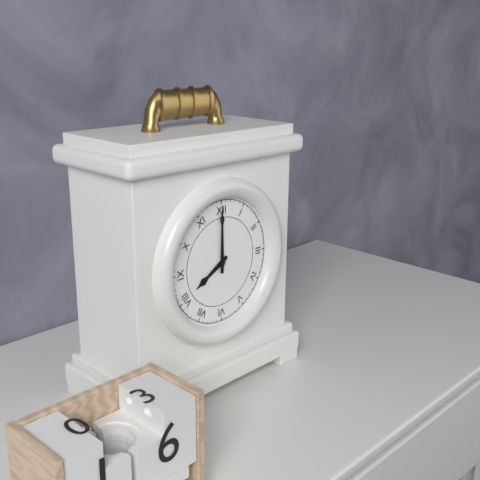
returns 8.00
